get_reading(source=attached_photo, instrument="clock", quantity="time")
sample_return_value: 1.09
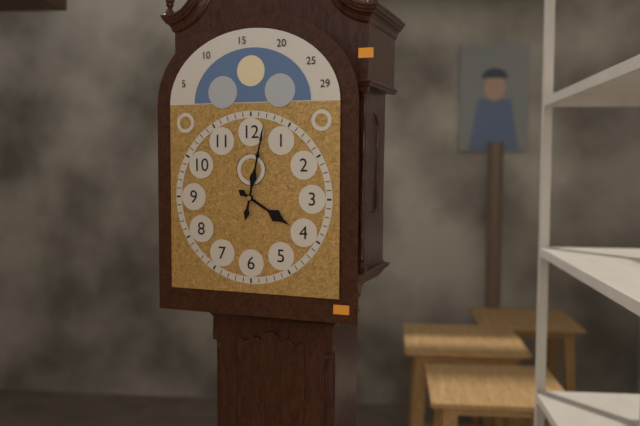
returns 4.02
